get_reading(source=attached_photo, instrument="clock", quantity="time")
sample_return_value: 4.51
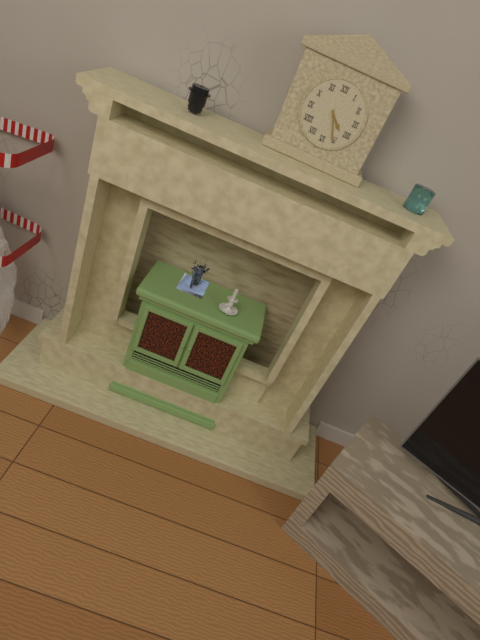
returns 4.26
